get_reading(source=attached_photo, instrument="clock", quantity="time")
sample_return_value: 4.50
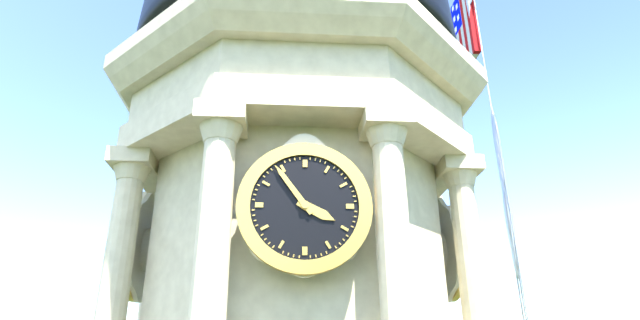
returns 3.54
